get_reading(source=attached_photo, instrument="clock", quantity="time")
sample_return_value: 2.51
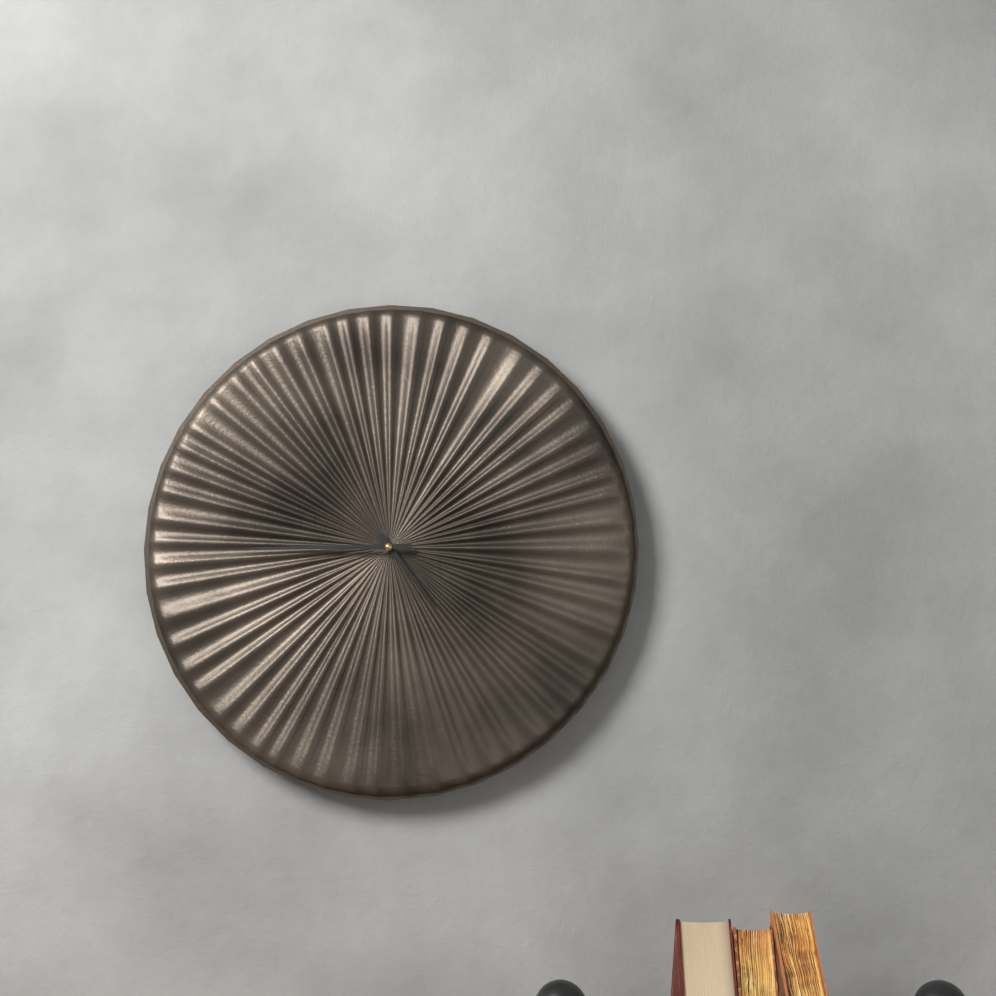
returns 4.45
